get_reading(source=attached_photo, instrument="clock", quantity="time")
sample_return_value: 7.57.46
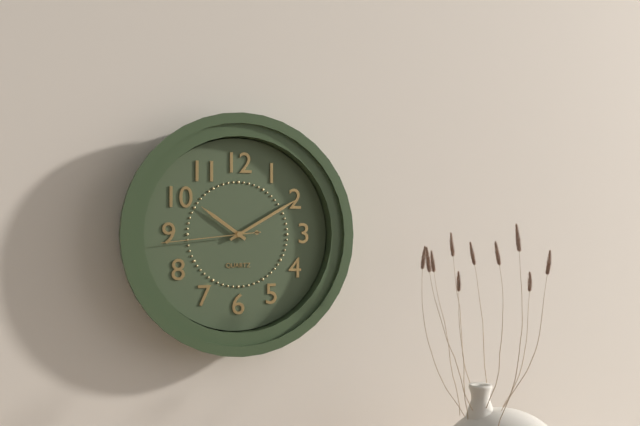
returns 10.10.44
